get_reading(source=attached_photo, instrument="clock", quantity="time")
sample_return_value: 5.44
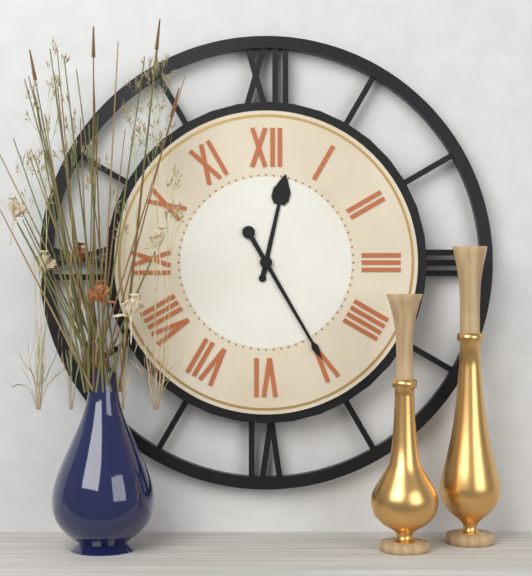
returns 12.25
